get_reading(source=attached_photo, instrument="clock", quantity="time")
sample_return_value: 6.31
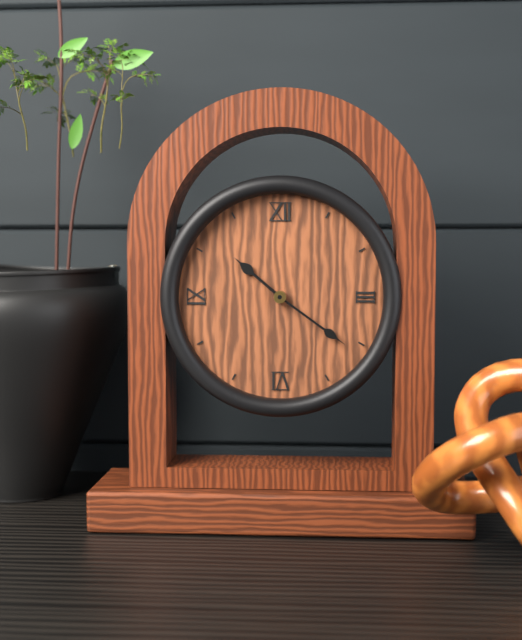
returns 10.21
